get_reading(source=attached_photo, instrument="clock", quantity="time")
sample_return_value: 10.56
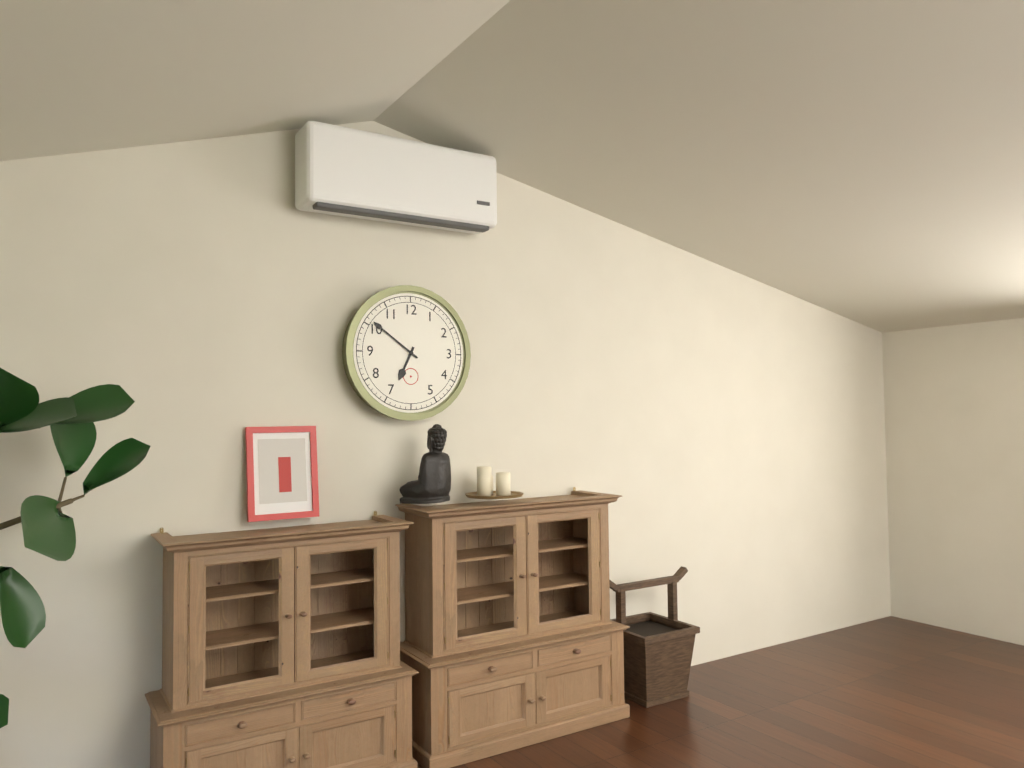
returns 6.51
